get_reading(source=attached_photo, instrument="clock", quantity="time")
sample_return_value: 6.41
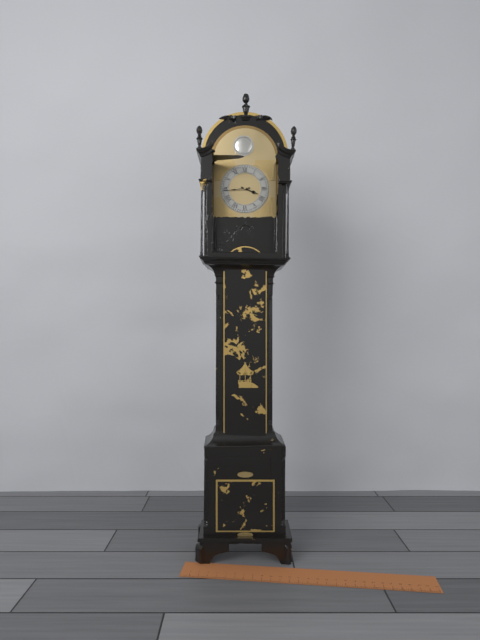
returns 3.44
